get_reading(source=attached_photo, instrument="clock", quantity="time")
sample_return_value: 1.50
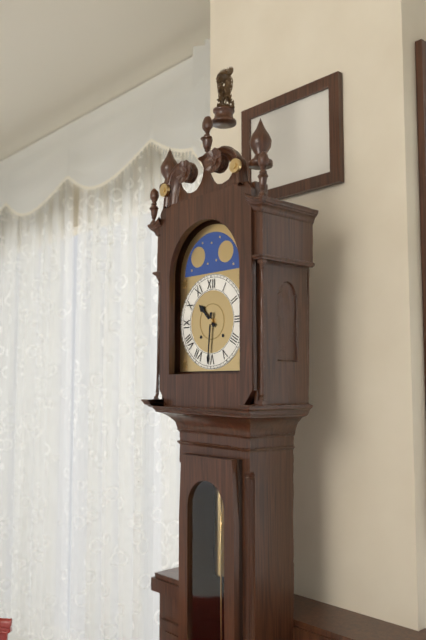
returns 10.31
